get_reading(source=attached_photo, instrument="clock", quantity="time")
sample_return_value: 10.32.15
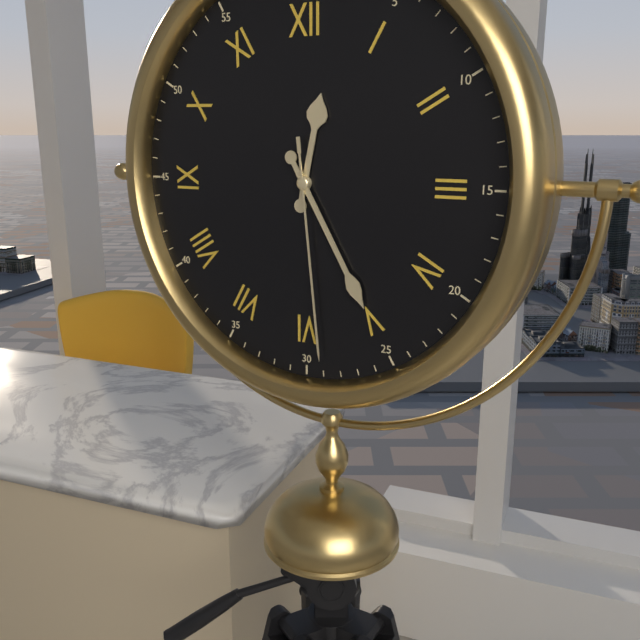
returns 12.25.29
